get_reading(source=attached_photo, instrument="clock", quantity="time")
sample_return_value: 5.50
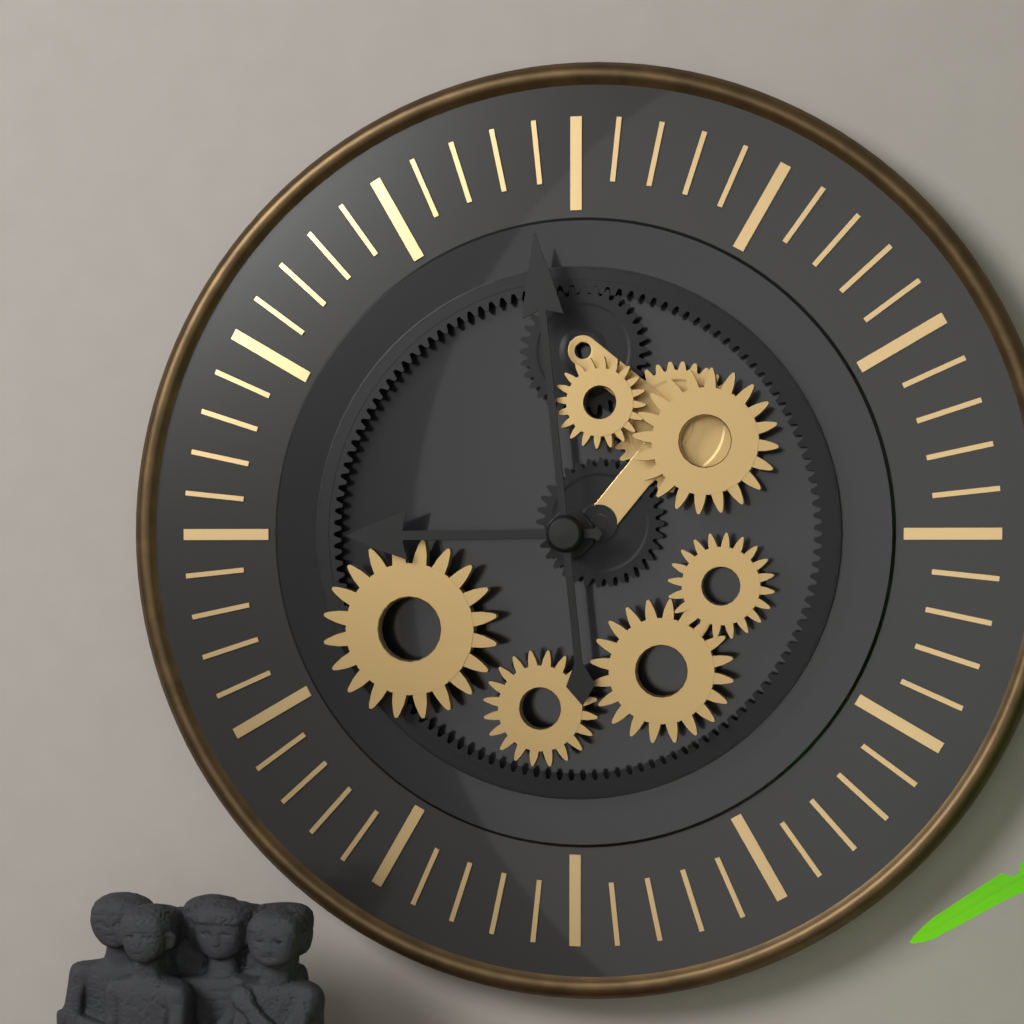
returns 8.59
